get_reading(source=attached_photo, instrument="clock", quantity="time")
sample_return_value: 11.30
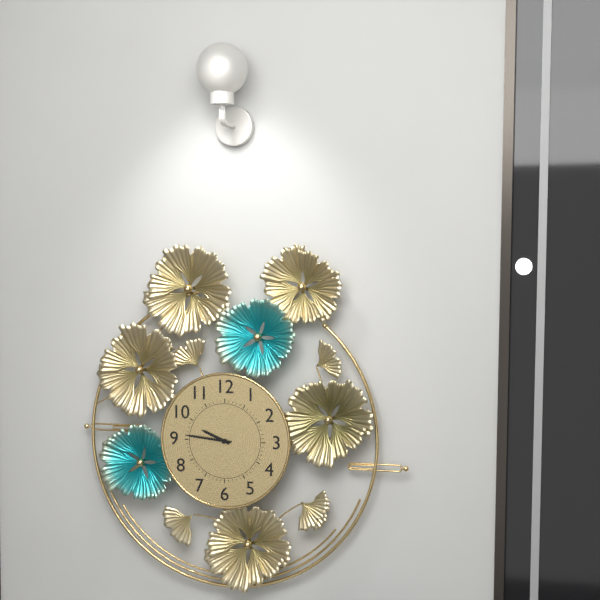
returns 9.46
